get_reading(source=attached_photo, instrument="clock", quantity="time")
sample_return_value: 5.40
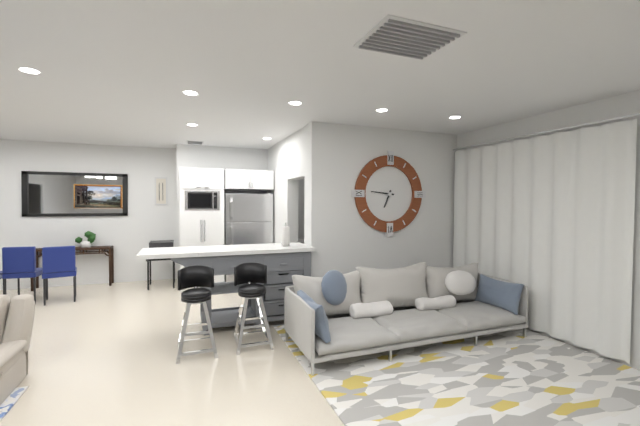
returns 6.46
